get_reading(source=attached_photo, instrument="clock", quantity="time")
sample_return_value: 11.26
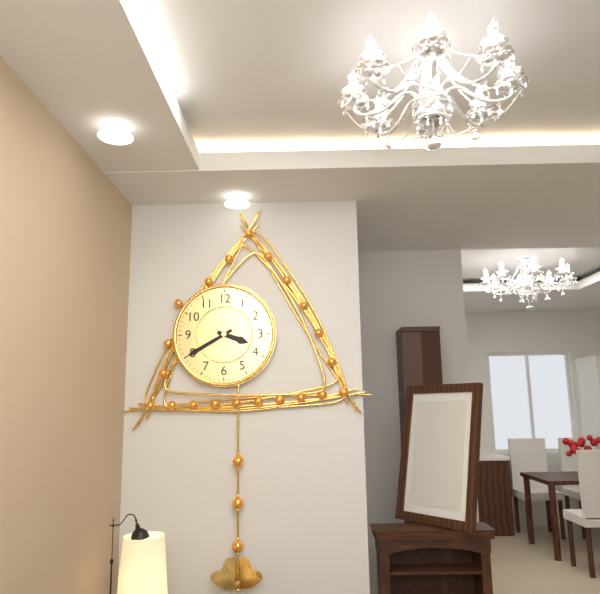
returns 3.40
